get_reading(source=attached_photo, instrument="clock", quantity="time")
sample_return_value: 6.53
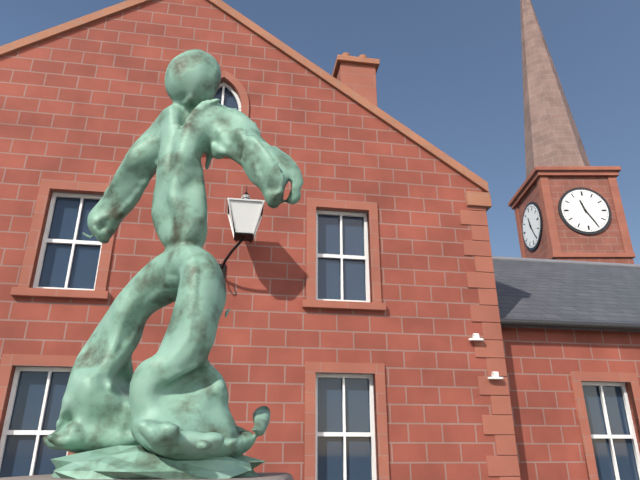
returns 11.25
